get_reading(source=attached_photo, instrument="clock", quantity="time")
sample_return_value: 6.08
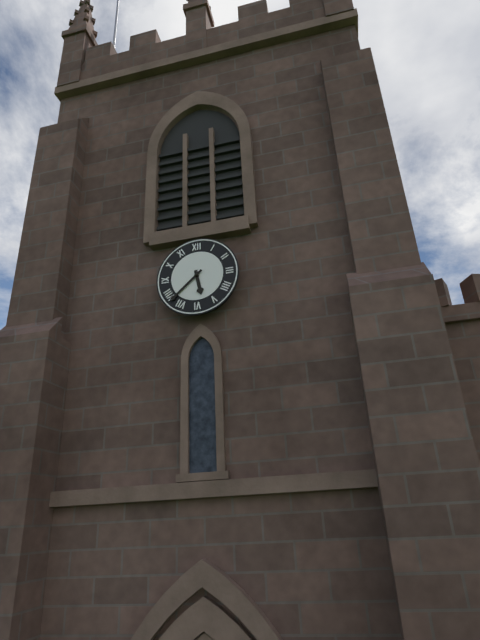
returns 5.38
